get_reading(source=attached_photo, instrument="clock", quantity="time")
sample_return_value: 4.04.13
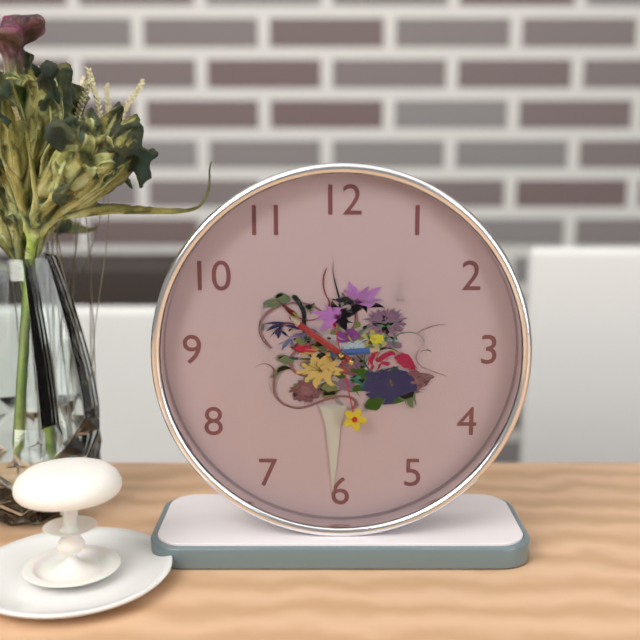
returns 2.51.28
